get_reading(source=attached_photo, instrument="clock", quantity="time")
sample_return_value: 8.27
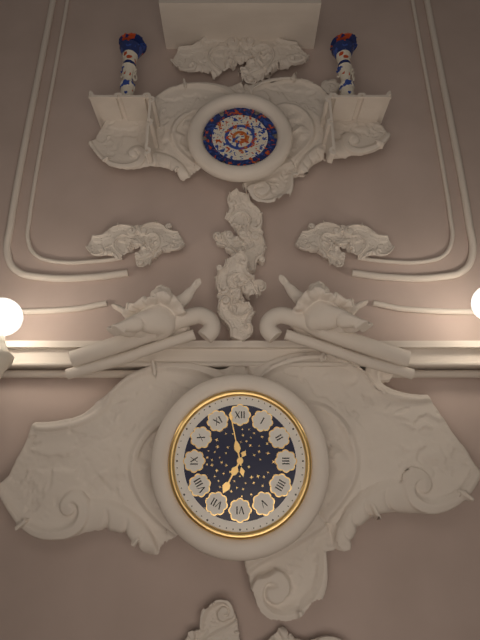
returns 6.58
